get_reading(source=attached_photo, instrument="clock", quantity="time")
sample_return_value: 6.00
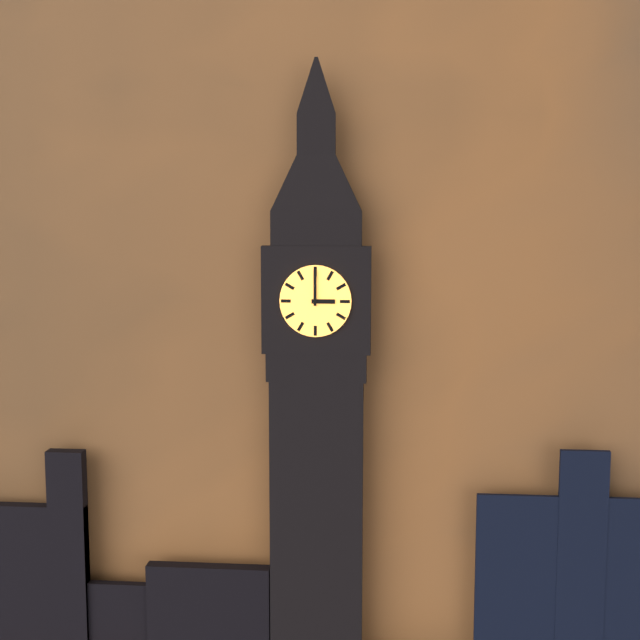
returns 3.00
